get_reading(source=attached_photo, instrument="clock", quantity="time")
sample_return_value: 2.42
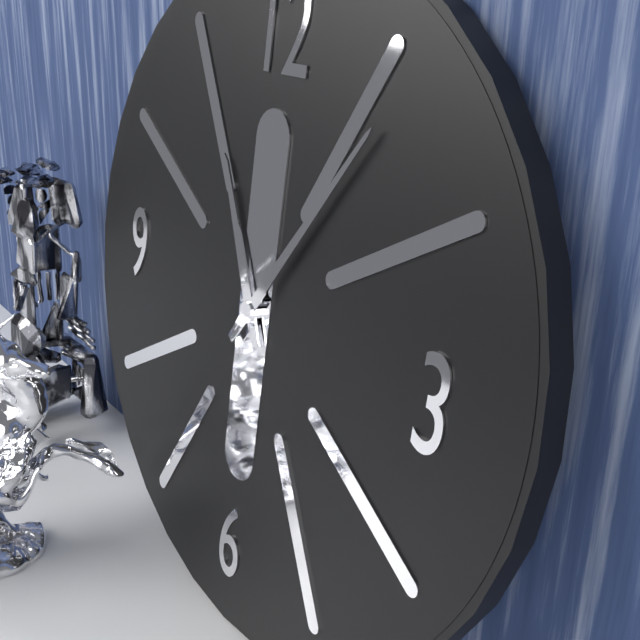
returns 11.06
